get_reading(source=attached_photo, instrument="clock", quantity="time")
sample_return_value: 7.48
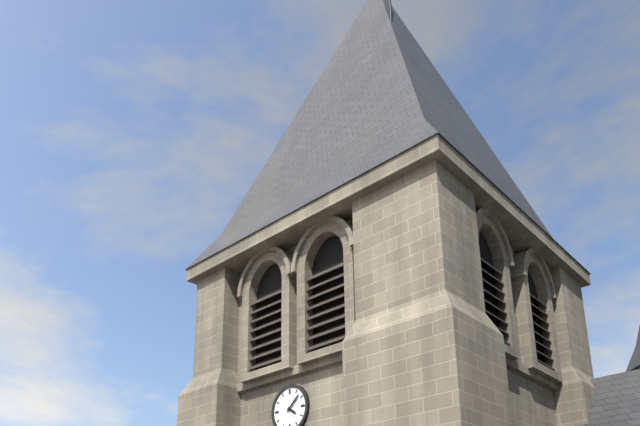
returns 4.08
